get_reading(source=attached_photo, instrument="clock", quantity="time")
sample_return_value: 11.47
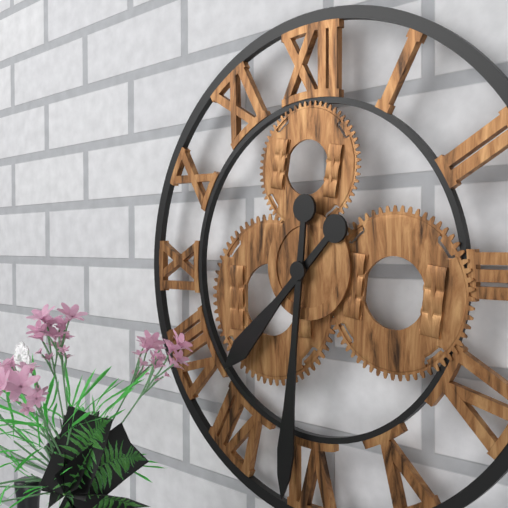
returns 7.31
